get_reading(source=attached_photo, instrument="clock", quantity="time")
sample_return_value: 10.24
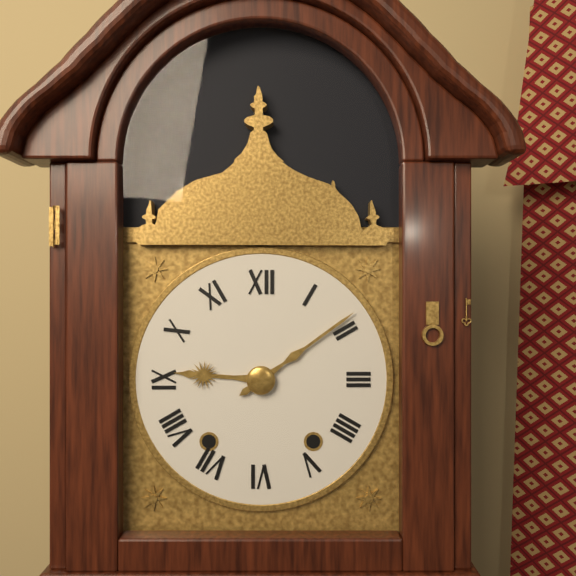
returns 9.09
